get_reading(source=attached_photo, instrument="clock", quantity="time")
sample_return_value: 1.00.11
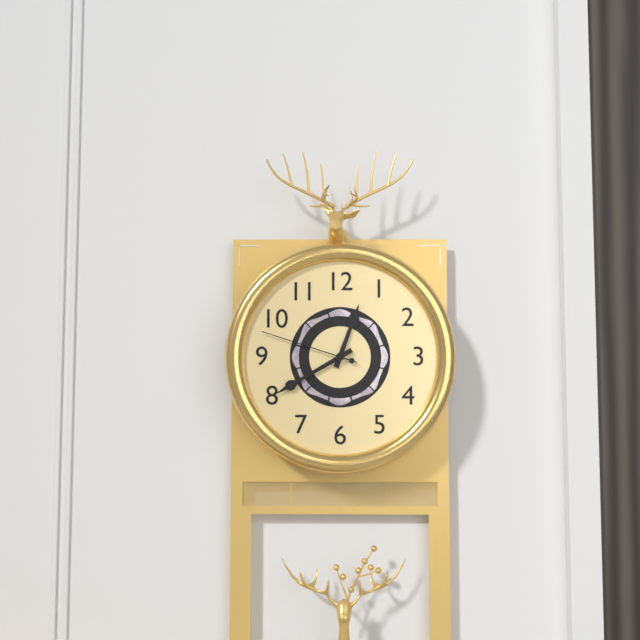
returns 12.40.48
